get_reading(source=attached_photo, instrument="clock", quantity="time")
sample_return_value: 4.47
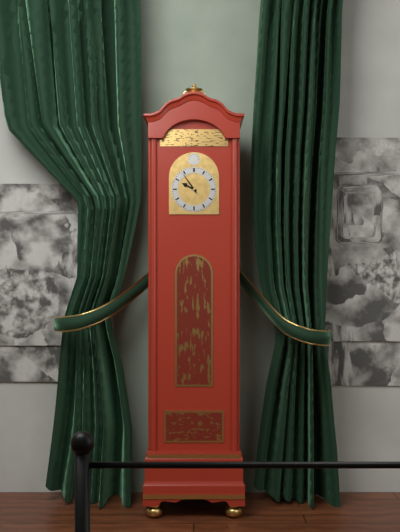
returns 9.54
